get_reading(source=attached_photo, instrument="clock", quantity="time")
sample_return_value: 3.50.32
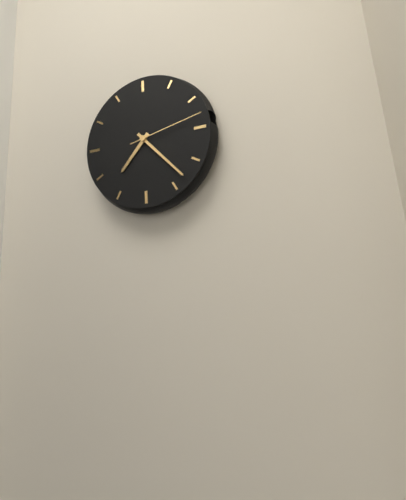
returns 7.23.13
